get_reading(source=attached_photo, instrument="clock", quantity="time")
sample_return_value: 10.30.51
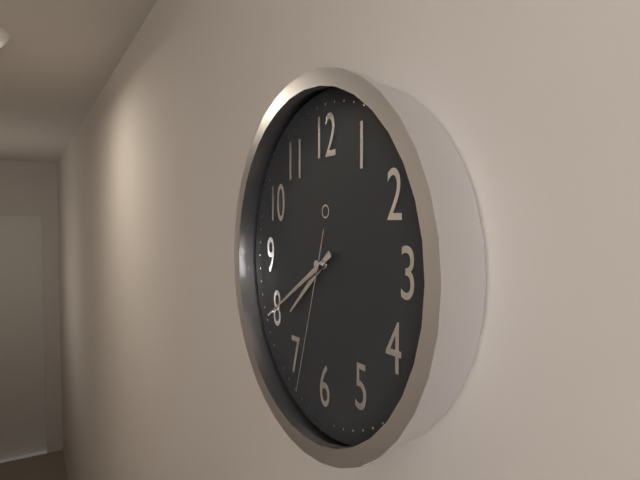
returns 7.40.33
